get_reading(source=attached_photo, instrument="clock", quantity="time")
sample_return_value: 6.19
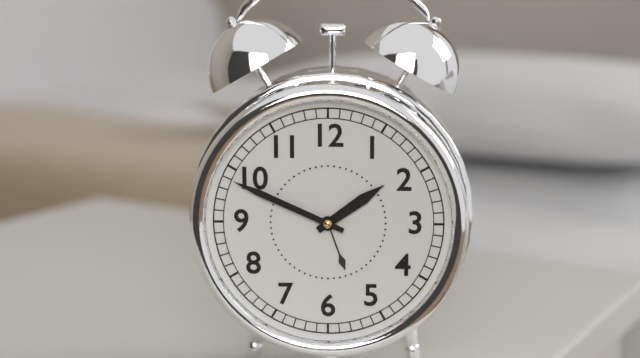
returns 1.49
